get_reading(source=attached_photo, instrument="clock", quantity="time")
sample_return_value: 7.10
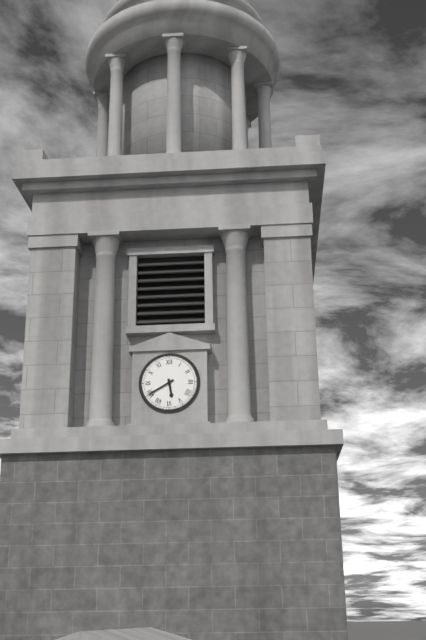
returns 5.40
